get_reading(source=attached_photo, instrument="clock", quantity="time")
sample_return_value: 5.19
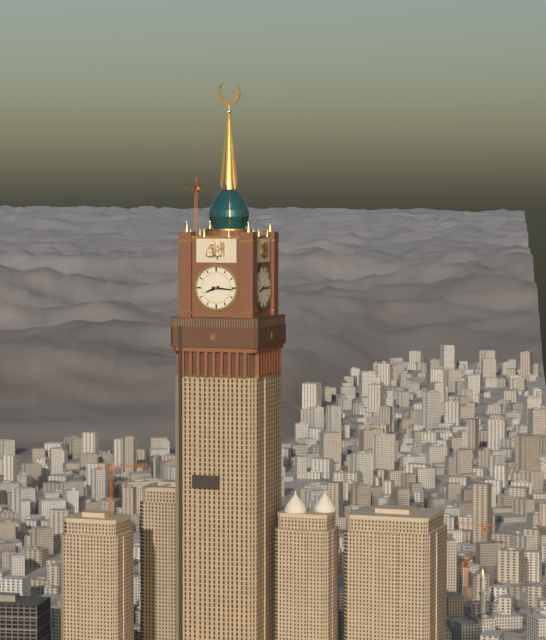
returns 8.16
